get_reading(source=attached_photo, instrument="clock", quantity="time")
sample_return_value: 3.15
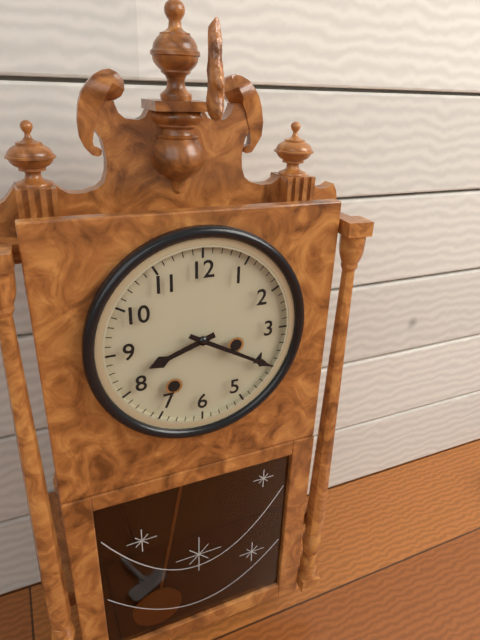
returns 8.20
